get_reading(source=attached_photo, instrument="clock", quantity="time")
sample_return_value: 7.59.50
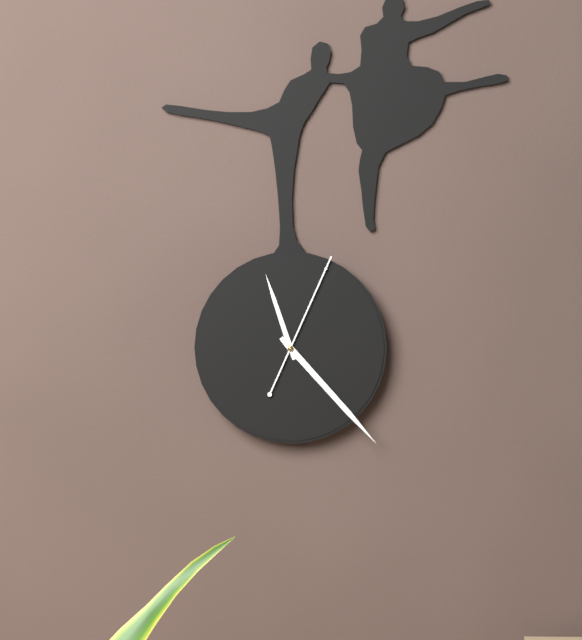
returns 11.23.04
